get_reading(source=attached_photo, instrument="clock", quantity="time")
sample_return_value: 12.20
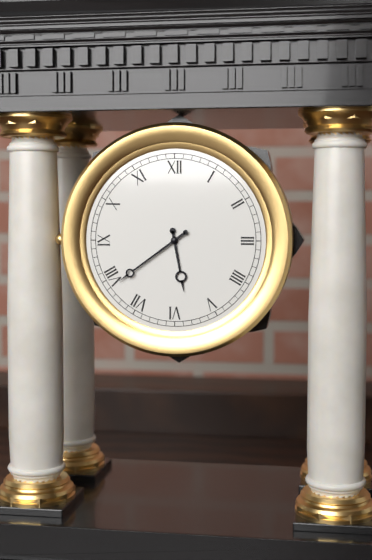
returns 5.39
